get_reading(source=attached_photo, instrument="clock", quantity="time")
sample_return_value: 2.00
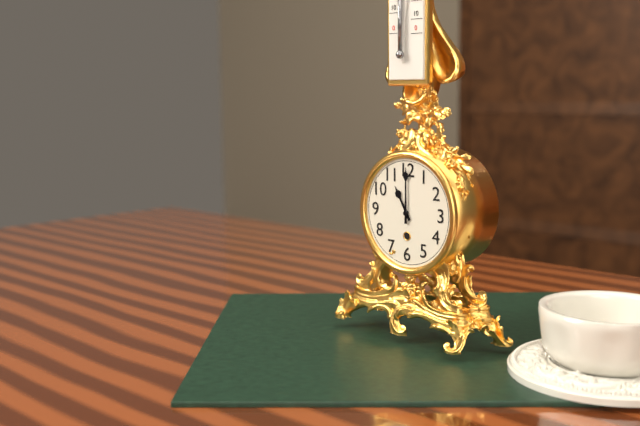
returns 11.00
